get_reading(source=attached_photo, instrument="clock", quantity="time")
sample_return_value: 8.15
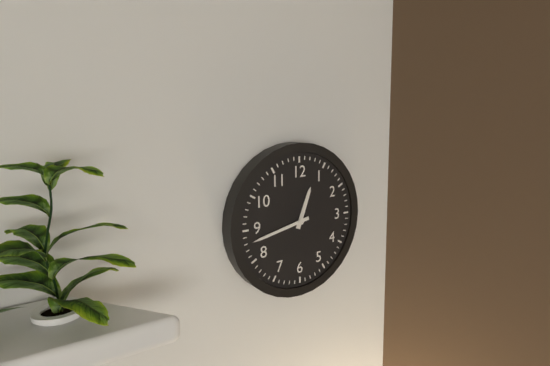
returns 12.43
